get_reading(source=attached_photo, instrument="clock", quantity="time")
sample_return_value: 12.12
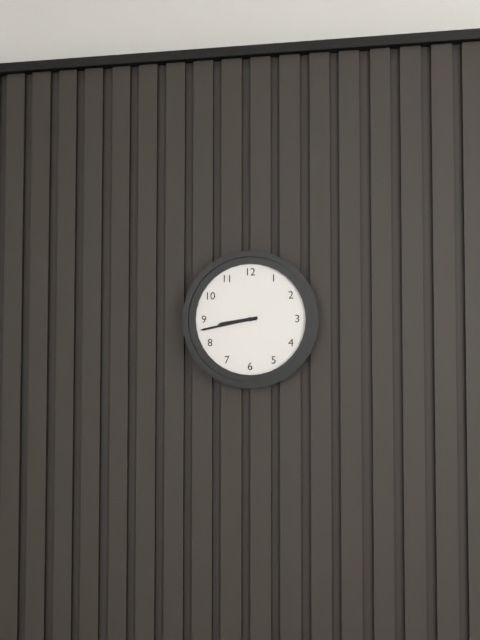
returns 8.43
